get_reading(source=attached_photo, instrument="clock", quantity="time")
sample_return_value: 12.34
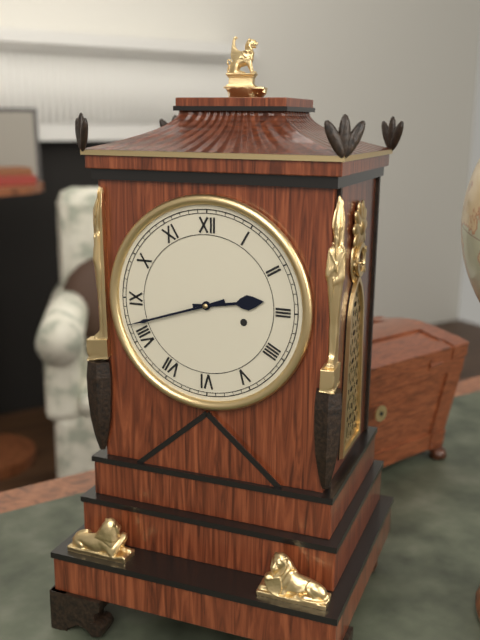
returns 2.42
